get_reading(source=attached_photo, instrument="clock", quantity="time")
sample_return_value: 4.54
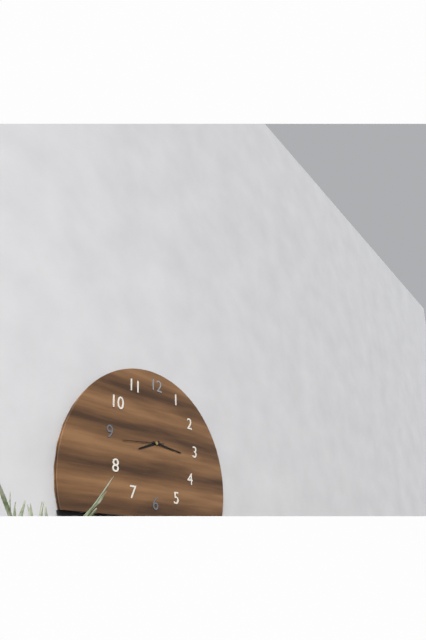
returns 8.16
